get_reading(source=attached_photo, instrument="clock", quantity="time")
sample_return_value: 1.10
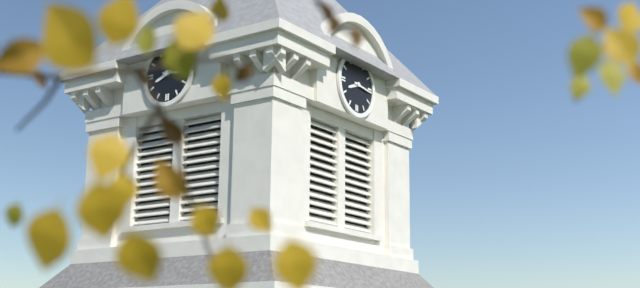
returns 8.16
